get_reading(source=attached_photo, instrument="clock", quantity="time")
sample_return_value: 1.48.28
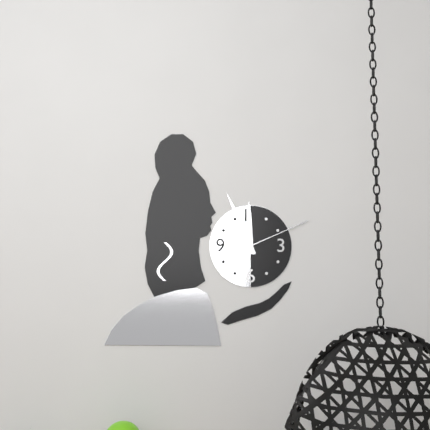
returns 11.56.11
